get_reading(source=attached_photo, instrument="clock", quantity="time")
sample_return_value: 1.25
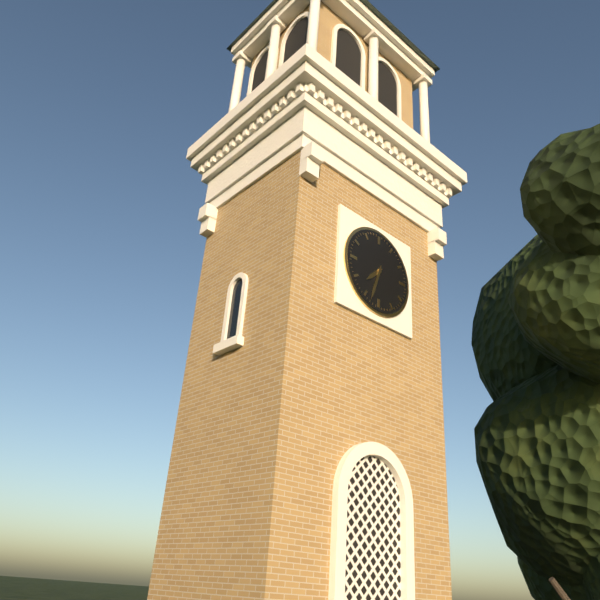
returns 7.33
